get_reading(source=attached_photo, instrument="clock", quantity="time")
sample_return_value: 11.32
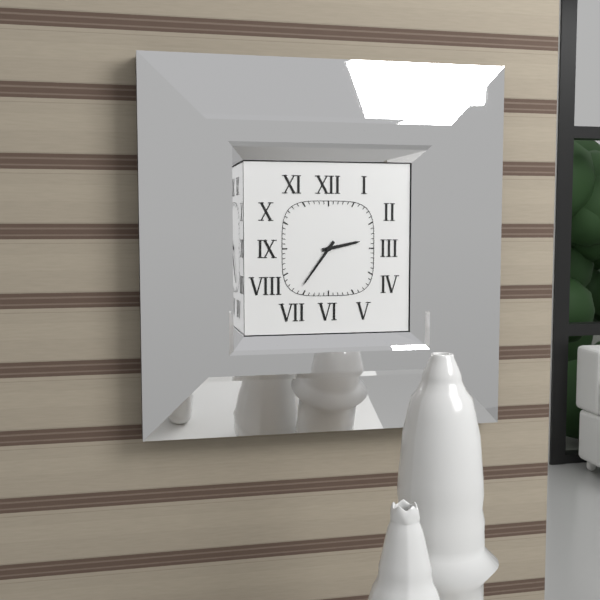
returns 2.36
